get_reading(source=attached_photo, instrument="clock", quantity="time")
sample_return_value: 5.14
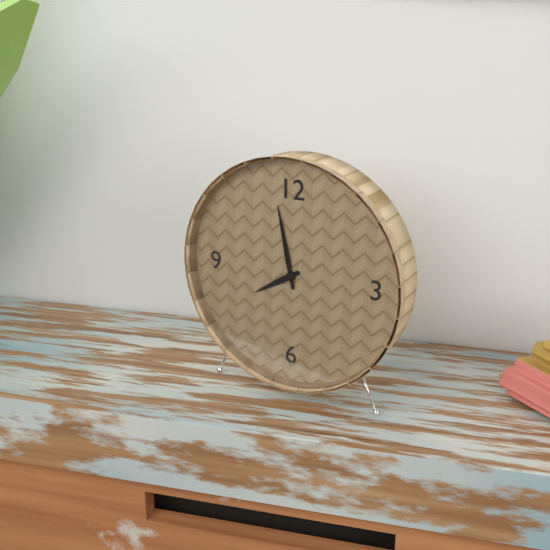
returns 7.58
